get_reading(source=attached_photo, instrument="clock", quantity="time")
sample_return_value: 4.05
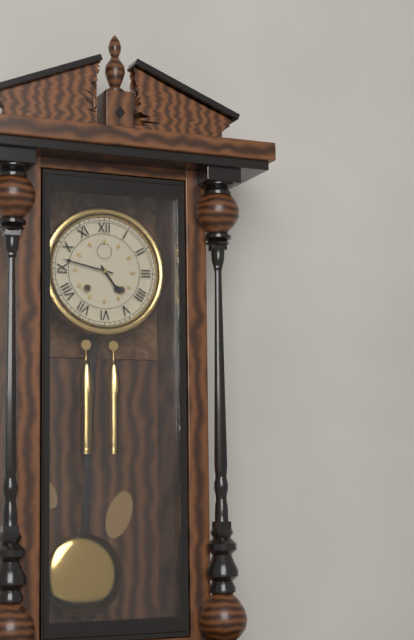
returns 4.47
